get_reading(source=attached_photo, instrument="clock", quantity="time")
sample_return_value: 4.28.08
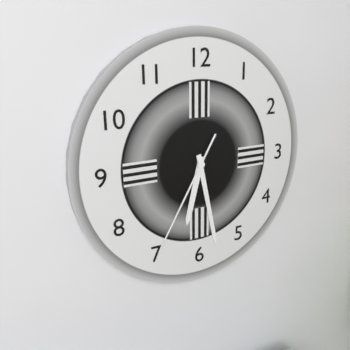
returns 6.28.35
